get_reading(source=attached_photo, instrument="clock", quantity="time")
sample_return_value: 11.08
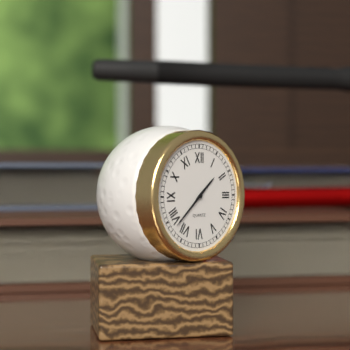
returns 1.38
